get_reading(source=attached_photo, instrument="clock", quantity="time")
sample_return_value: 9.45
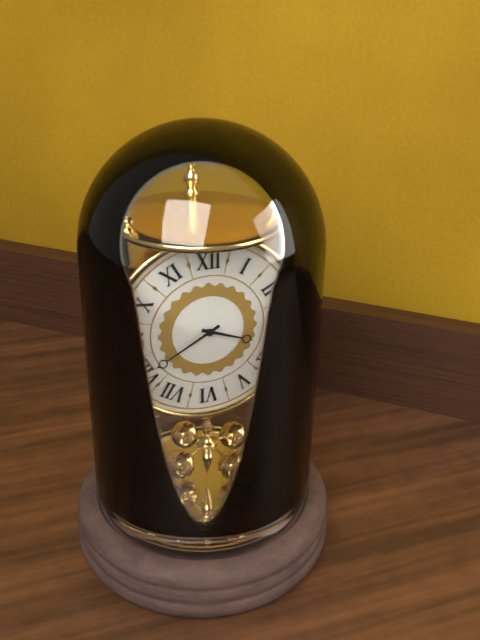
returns 3.40
